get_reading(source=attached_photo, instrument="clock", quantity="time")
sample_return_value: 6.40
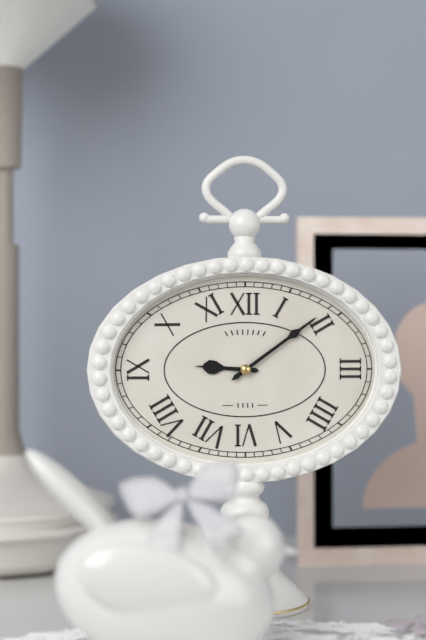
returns 9.09
